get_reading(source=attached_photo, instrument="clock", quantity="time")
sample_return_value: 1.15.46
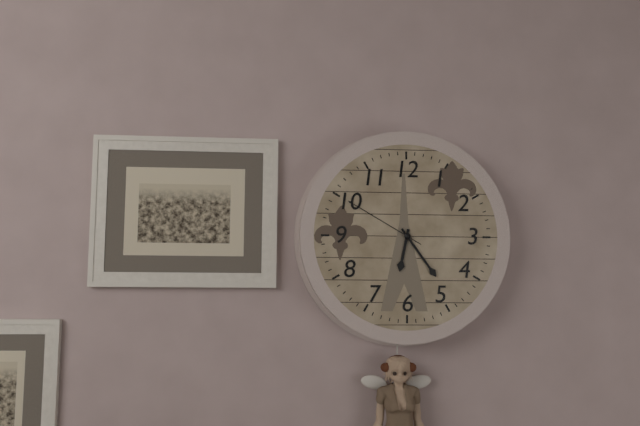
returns 6.24.50
